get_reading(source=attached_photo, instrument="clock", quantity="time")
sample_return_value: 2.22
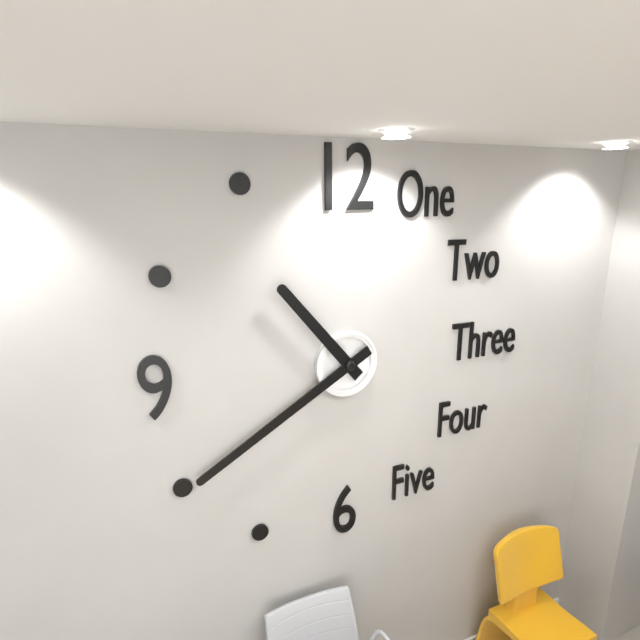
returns 10.40
